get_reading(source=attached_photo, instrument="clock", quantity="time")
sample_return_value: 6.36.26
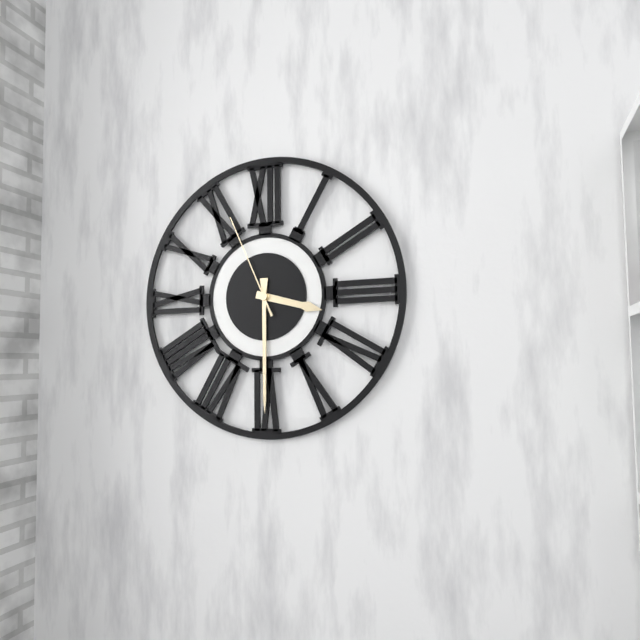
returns 3.30.56
